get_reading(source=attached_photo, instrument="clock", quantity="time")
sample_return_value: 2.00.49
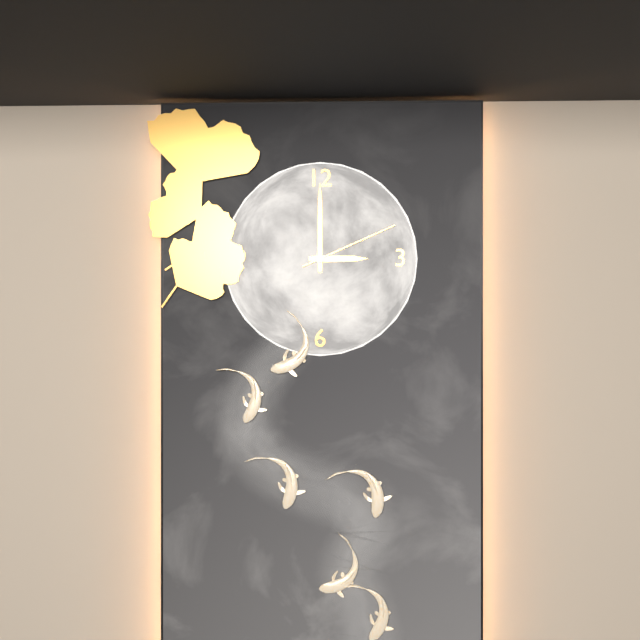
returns 3.00.11
